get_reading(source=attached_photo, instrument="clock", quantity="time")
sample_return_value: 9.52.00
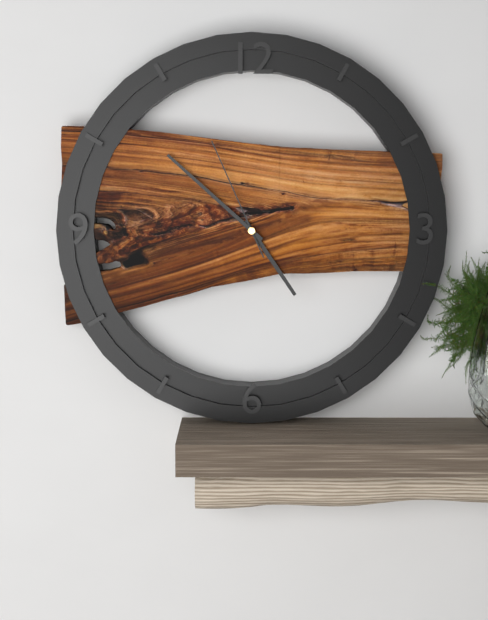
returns 4.52.56
